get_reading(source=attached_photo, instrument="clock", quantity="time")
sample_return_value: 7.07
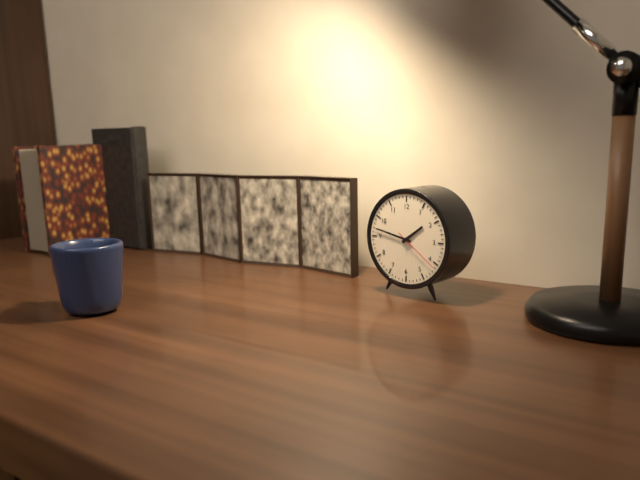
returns 1.47
